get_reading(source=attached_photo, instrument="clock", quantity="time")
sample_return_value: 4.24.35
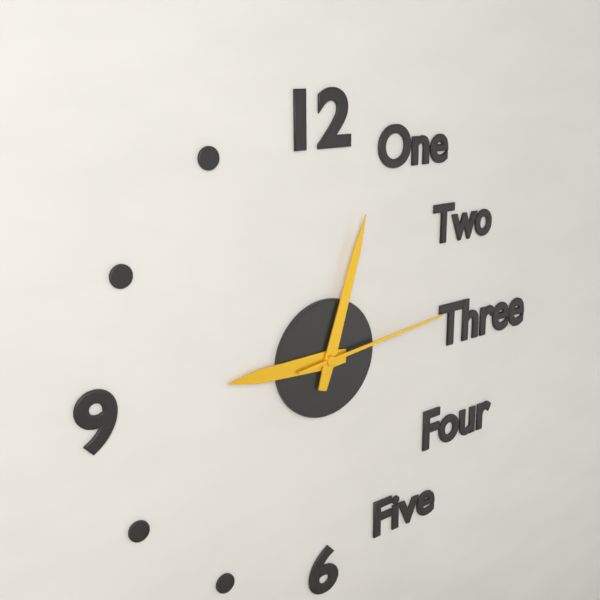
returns 9.03.14
